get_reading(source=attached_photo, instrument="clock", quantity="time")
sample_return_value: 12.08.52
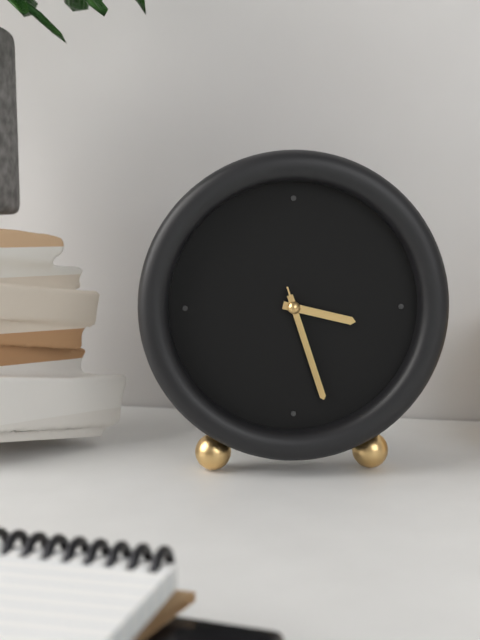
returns 3.27.27
